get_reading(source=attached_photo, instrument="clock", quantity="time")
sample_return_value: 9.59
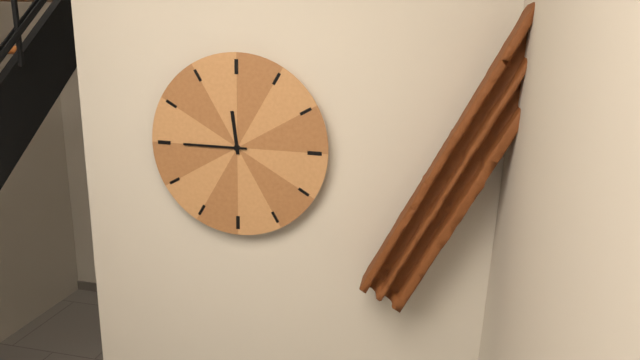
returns 11.45
